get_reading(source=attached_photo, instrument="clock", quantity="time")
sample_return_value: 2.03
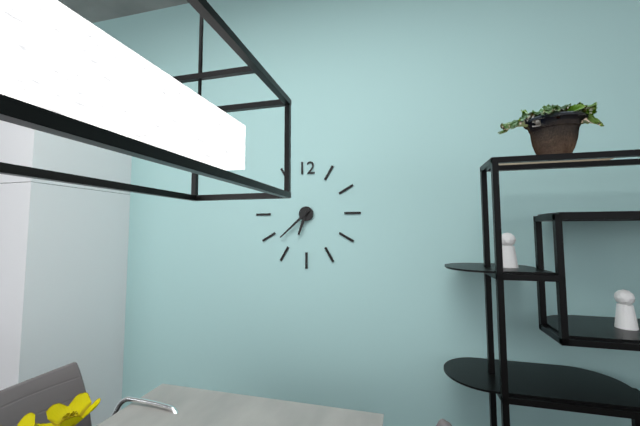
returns 6.38
